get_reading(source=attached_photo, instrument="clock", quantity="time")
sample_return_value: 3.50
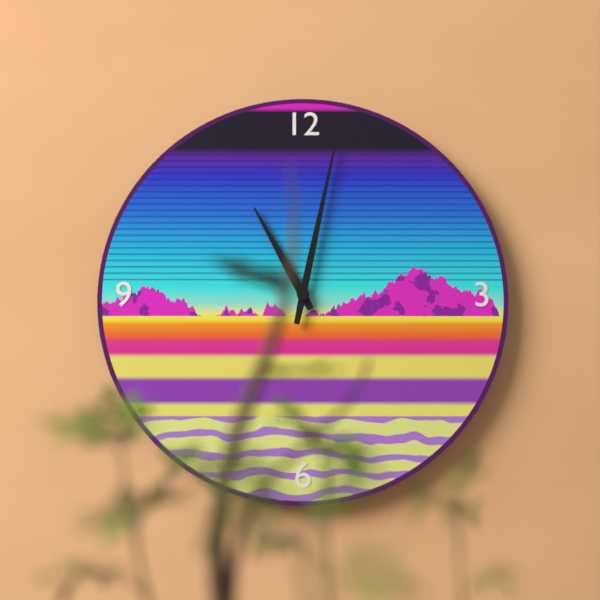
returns 11.02
